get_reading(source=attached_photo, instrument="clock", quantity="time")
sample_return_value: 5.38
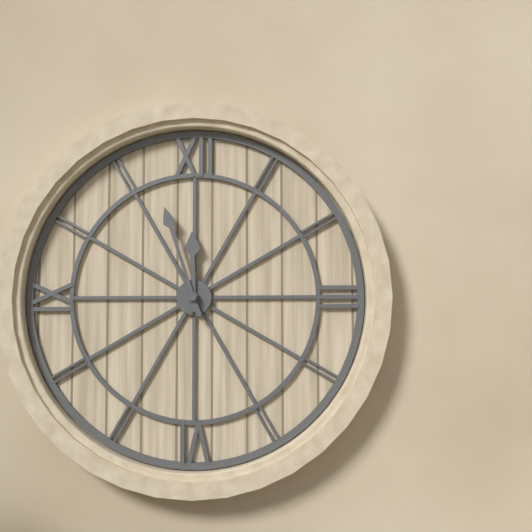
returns 11.57
